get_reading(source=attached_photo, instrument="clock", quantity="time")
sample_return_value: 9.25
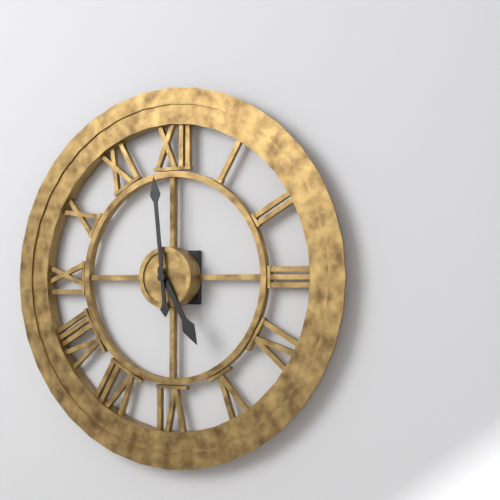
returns 4.59
